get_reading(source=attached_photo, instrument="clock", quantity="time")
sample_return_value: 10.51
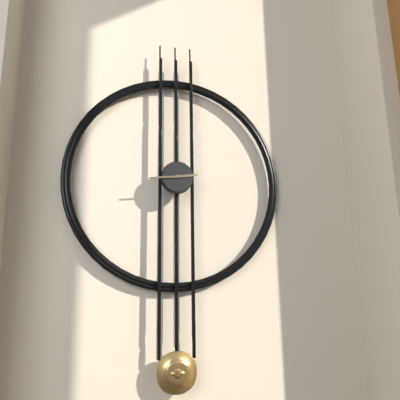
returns 2.44
